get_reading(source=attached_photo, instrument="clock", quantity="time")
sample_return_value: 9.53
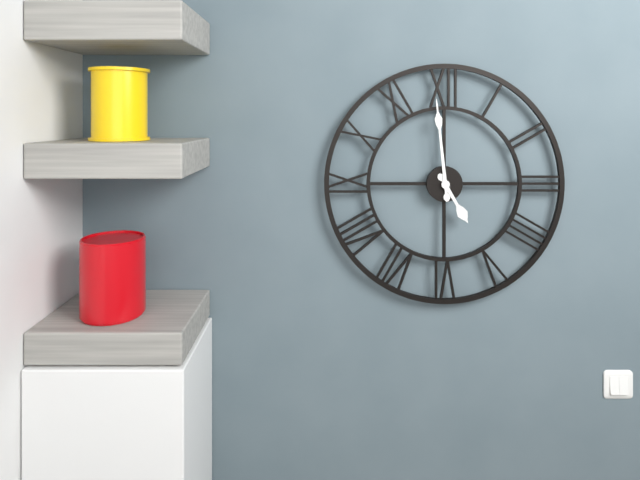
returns 4.59
